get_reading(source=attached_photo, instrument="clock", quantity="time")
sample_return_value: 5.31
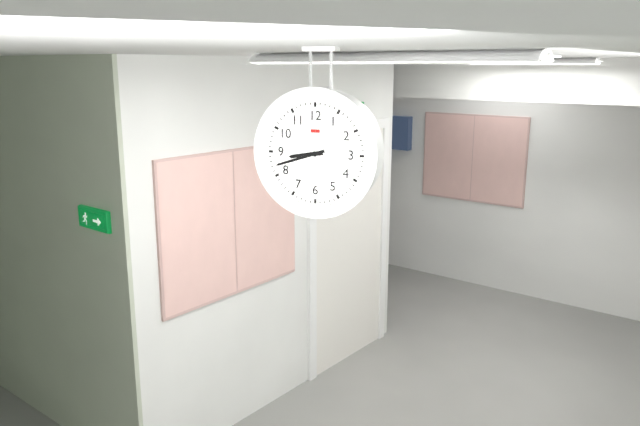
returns 8.42
